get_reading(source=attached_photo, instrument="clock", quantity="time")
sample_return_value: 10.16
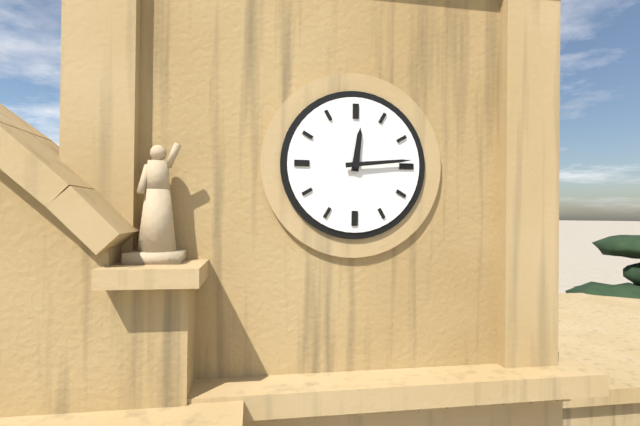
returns 12.14
